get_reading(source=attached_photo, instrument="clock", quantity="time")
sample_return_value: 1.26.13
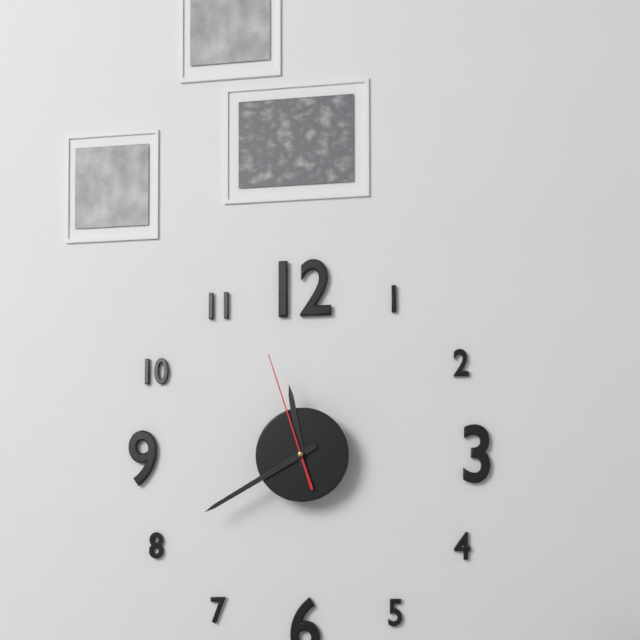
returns 11.40.57
